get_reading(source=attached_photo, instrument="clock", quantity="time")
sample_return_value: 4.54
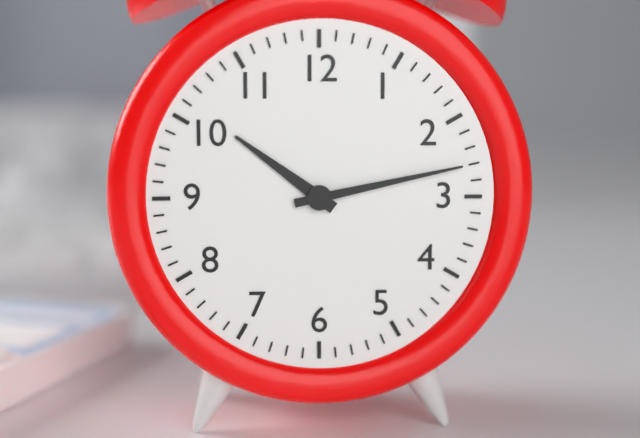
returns 10.13
